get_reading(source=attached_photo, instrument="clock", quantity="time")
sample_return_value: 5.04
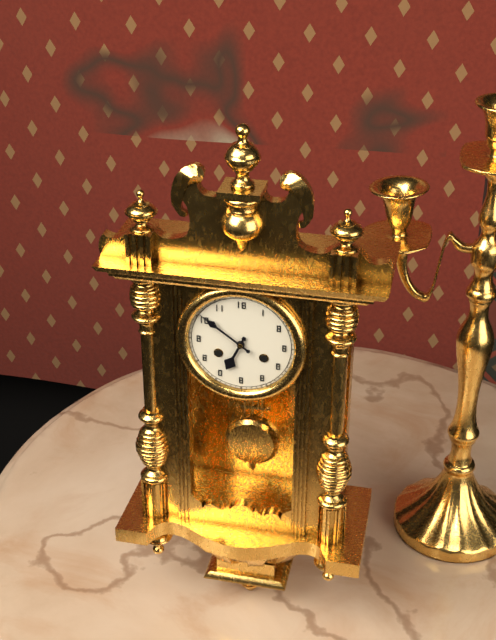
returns 6.51
